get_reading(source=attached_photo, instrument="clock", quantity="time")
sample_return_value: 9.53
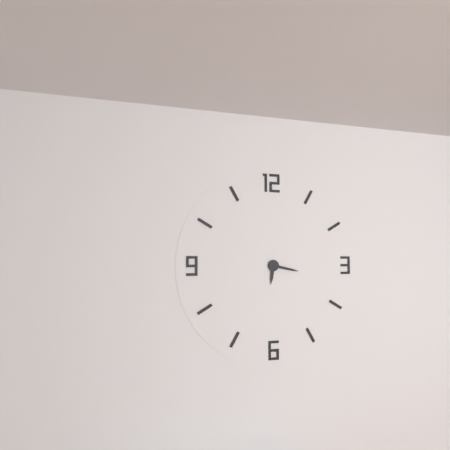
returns 6.17
